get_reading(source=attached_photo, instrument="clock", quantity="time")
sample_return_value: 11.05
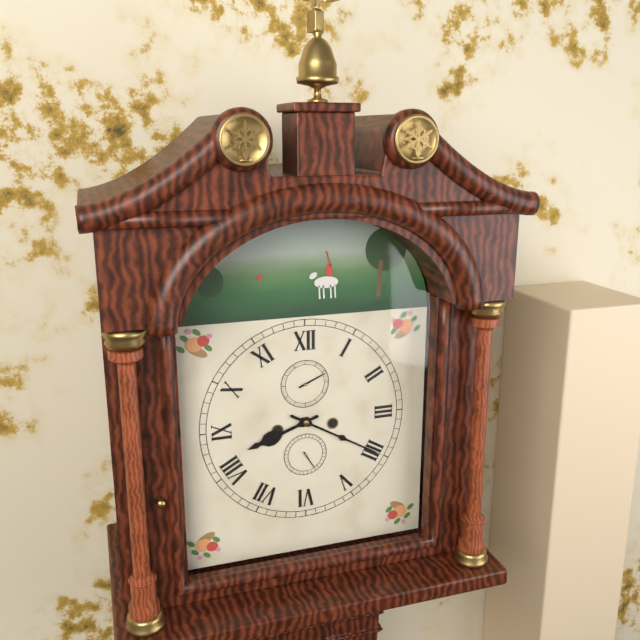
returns 8.20
